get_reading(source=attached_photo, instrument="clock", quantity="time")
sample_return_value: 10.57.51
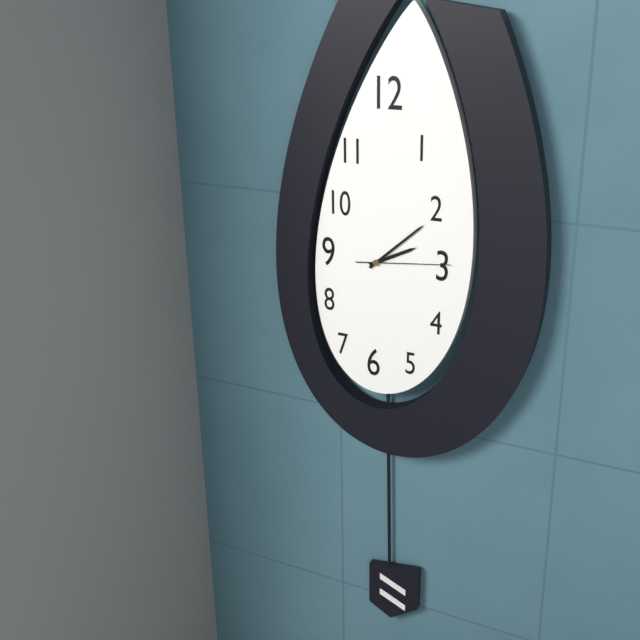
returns 2.08.14
